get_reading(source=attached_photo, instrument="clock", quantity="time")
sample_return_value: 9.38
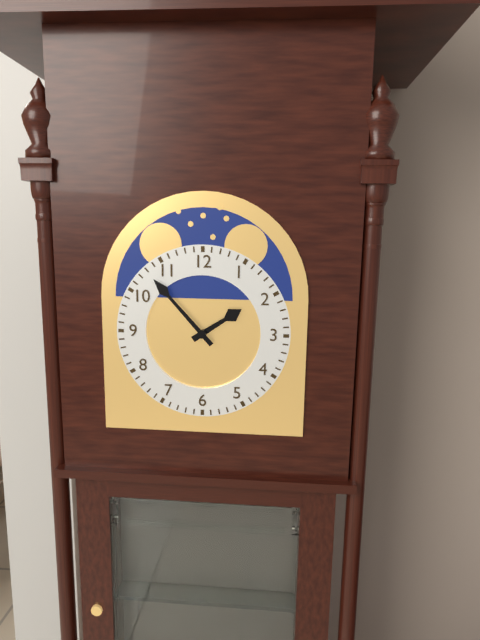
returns 1.53
